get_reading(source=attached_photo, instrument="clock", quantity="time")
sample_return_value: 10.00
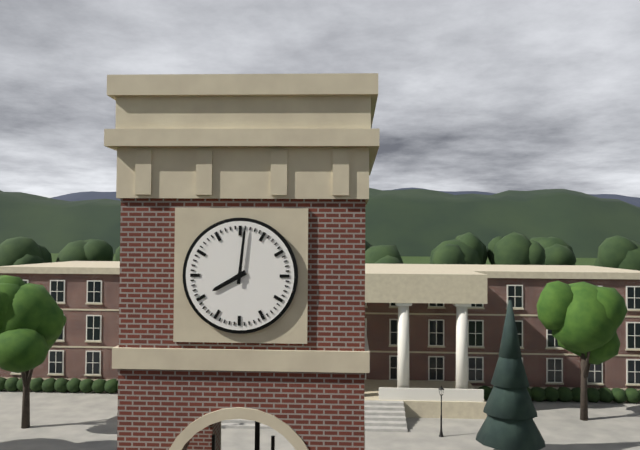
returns 8.01
